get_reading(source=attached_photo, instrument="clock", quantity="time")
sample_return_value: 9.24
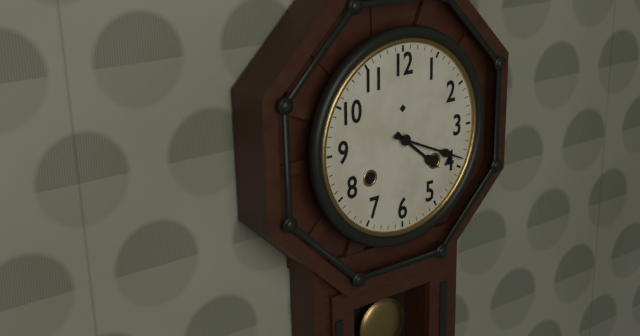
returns 4.19
